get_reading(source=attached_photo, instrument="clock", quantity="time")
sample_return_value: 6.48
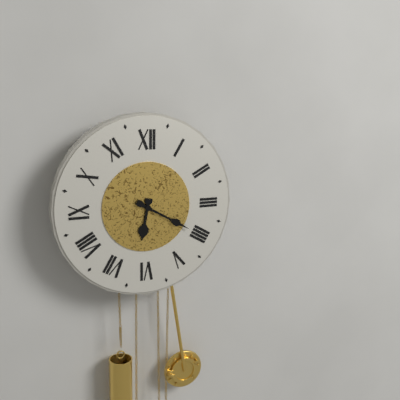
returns 6.20
